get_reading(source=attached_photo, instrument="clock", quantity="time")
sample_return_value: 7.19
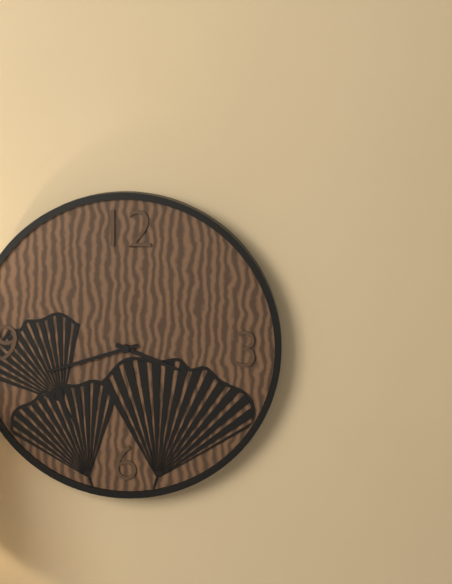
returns 3.42
